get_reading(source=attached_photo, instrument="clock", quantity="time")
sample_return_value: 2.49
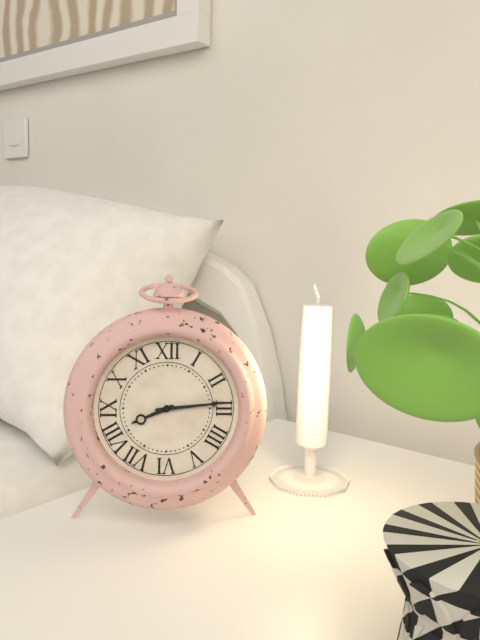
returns 8.14
